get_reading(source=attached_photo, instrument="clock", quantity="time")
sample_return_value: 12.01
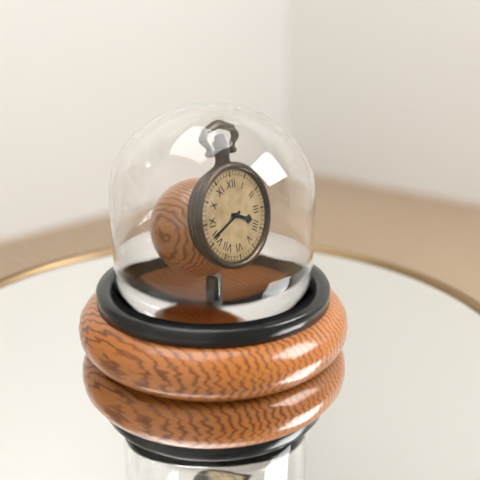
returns 3.41
